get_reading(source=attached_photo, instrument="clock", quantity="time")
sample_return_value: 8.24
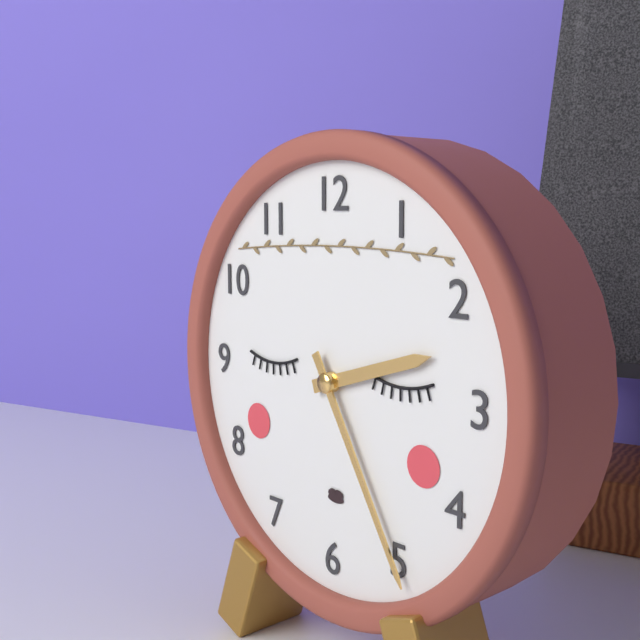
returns 2.25
